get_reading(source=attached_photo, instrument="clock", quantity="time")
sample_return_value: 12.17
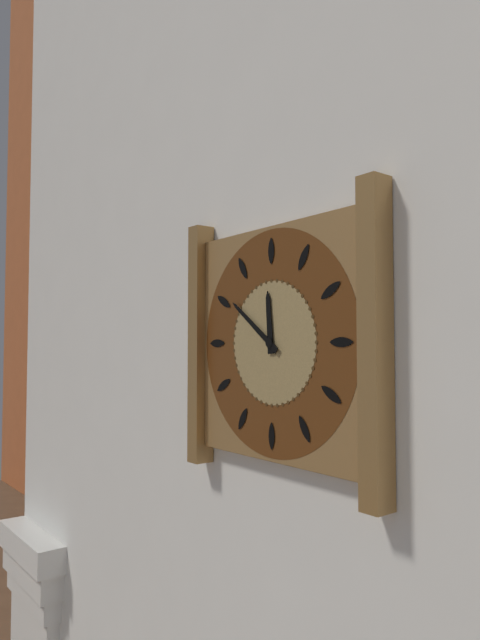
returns 11.51
